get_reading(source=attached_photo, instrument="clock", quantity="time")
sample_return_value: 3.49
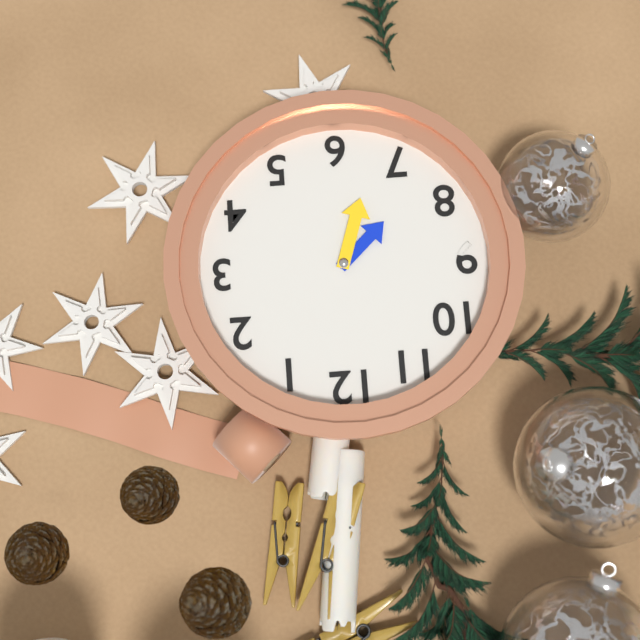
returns 7.33
